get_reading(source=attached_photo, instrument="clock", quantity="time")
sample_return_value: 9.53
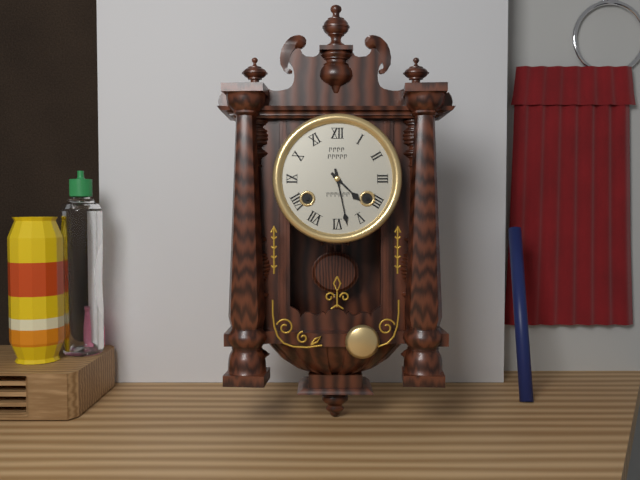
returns 4.28
